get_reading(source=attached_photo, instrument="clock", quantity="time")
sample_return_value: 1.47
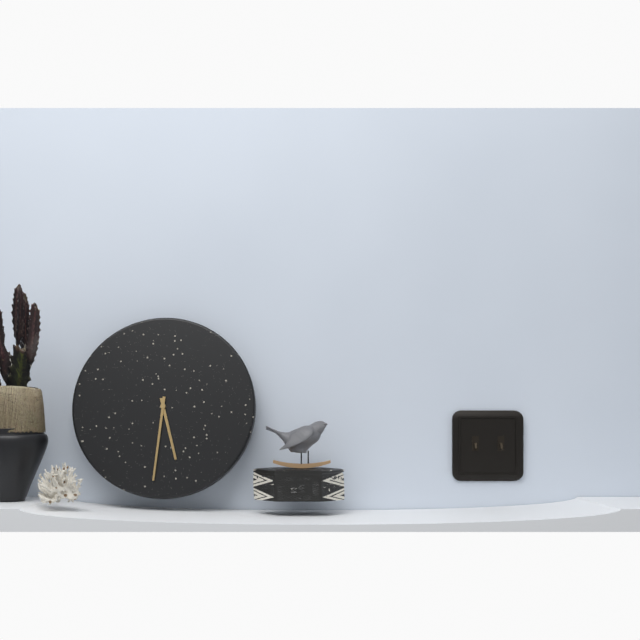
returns 5.31
